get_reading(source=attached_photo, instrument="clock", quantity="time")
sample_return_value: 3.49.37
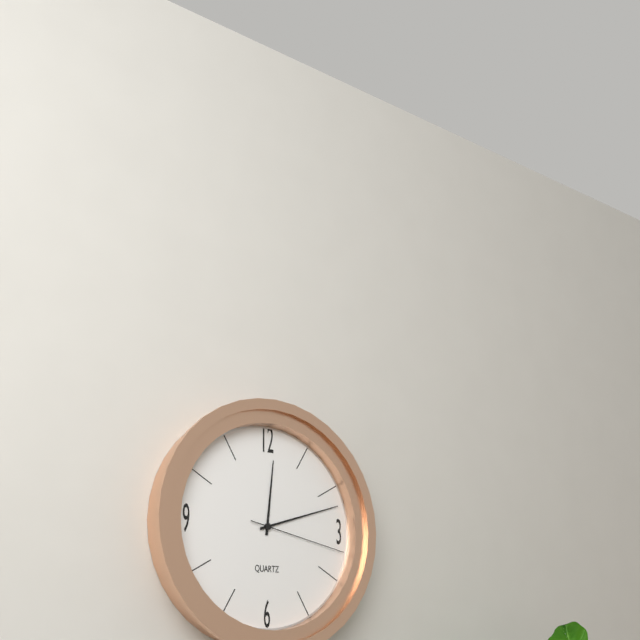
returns 12.12.17
